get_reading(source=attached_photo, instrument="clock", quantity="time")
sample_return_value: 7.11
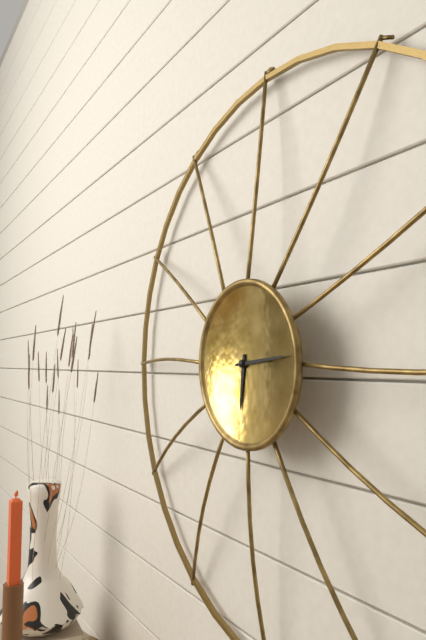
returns 6.14
